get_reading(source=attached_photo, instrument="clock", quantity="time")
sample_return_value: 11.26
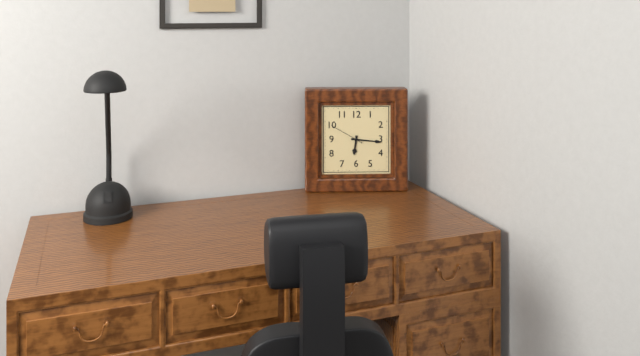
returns 6.16
